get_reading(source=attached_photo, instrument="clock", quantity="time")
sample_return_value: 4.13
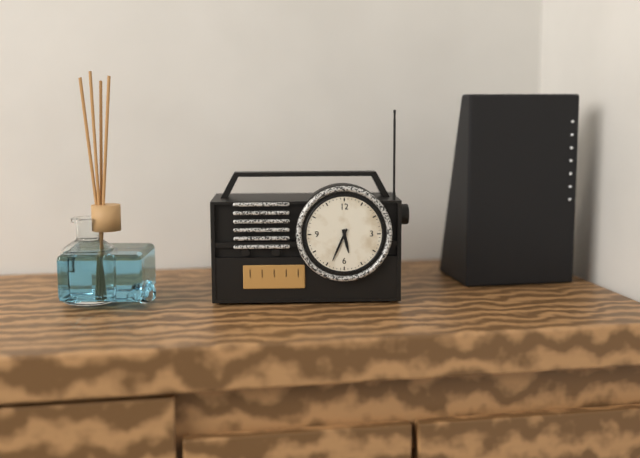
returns 5.34
